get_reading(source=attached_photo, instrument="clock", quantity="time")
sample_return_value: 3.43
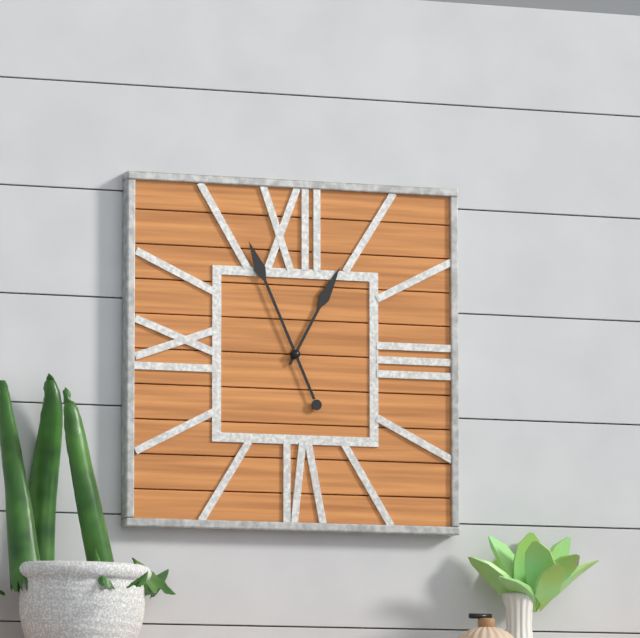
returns 12.56
